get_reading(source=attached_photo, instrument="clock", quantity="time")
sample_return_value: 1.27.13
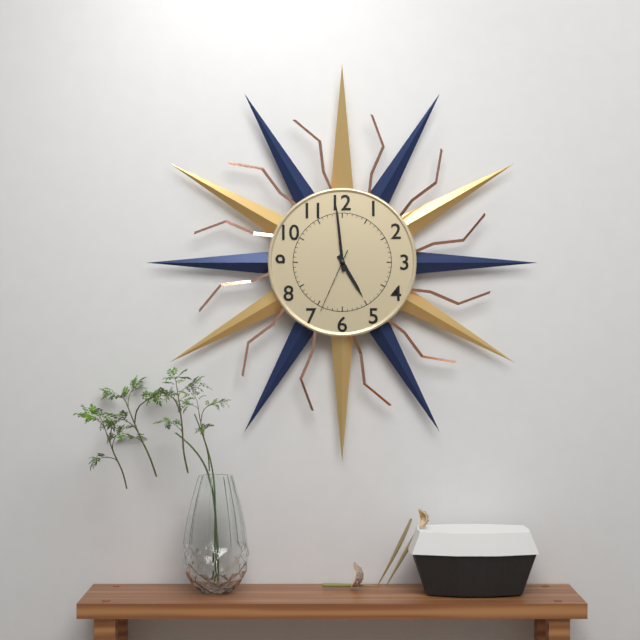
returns 4.59.34
